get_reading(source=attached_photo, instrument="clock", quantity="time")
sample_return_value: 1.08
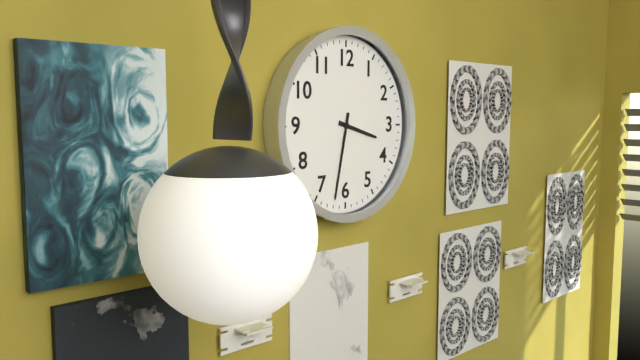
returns 3.32
